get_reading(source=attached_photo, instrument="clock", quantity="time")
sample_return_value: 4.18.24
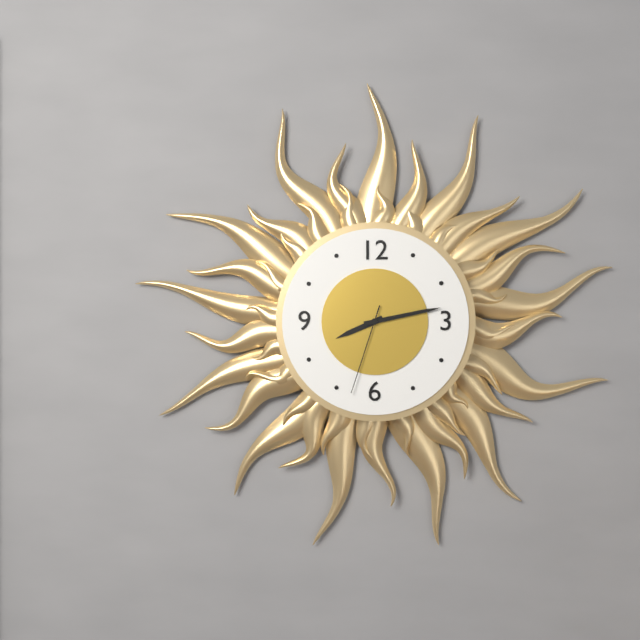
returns 8.13.33
